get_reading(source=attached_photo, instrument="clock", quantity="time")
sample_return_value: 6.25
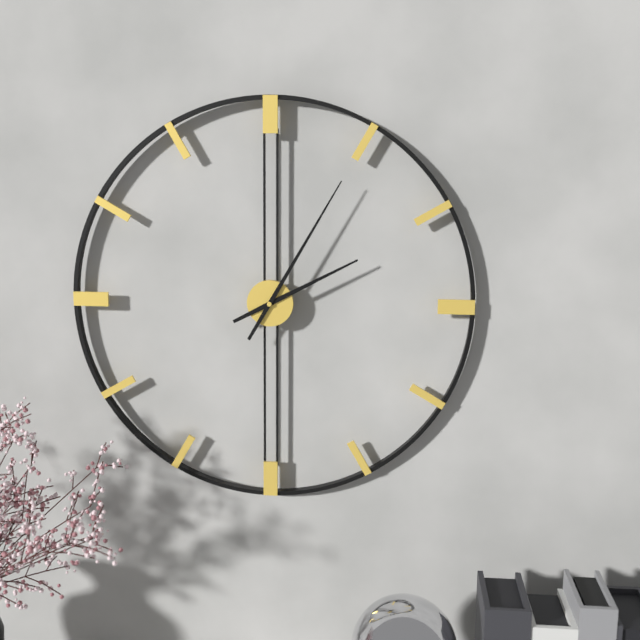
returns 2.05
